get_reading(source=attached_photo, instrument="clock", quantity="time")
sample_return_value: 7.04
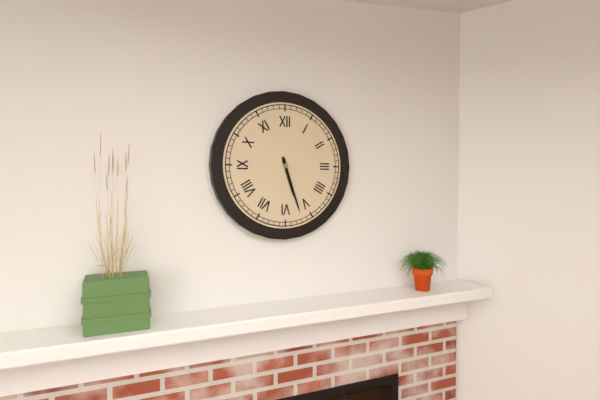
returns 5.27
